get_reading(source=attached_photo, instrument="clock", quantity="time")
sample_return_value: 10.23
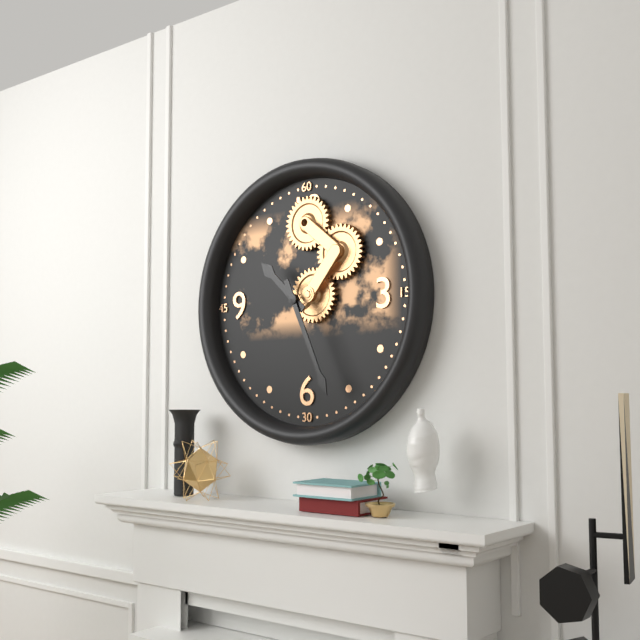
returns 10.26
